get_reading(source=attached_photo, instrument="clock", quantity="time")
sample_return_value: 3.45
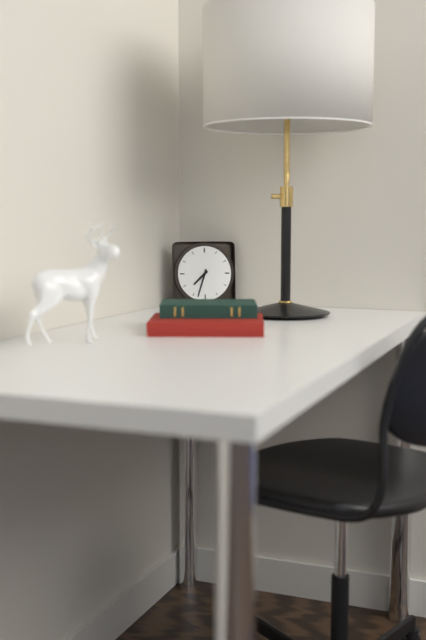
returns 7.33
